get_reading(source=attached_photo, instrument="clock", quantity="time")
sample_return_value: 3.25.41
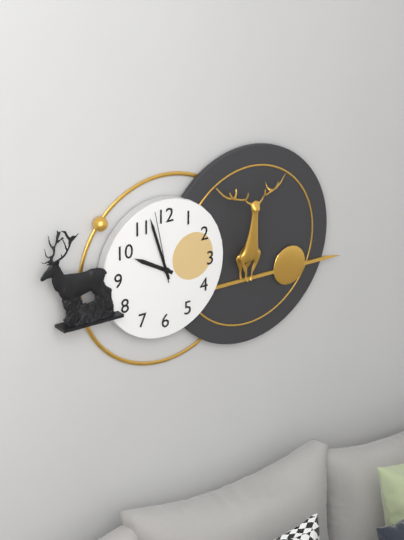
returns 9.57.58
